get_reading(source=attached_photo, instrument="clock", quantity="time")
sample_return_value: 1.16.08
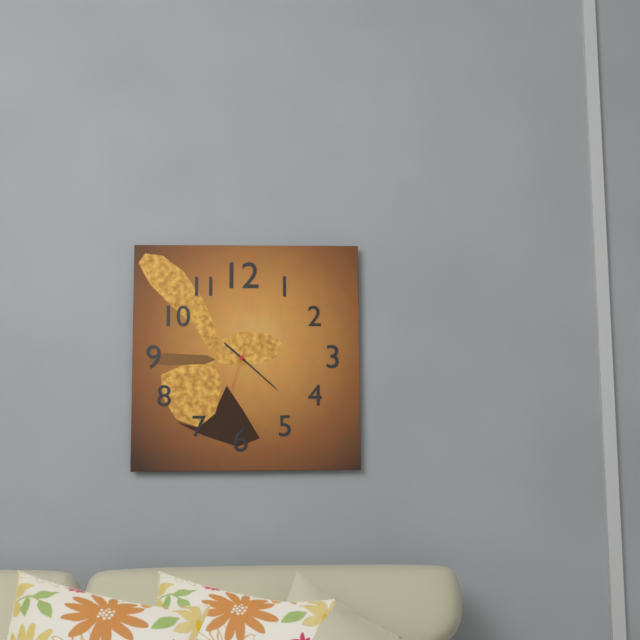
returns 10.22.33
